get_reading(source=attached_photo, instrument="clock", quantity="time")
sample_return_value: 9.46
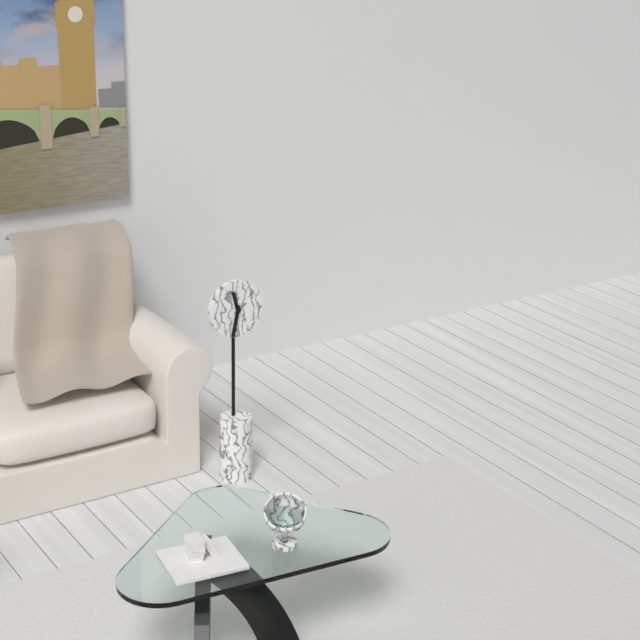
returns 11.32
